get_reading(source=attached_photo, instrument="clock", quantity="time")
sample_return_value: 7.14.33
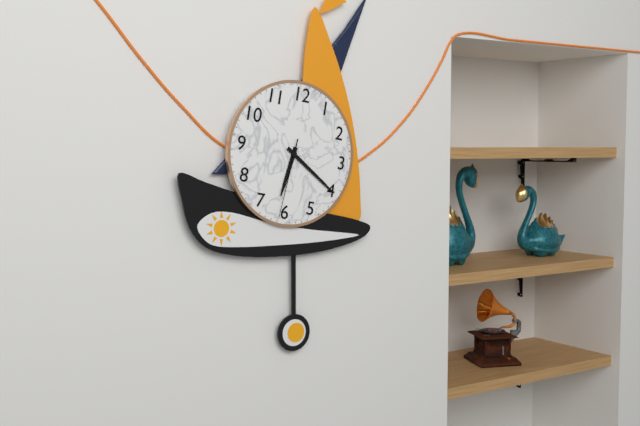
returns 6.20.31
